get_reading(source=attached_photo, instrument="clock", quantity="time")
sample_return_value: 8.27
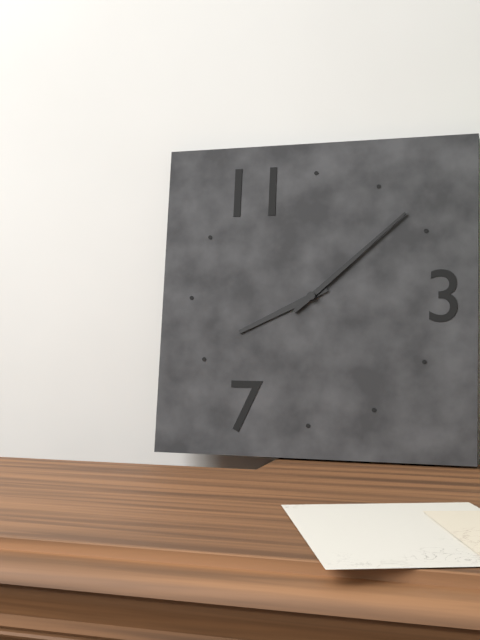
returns 8.08
